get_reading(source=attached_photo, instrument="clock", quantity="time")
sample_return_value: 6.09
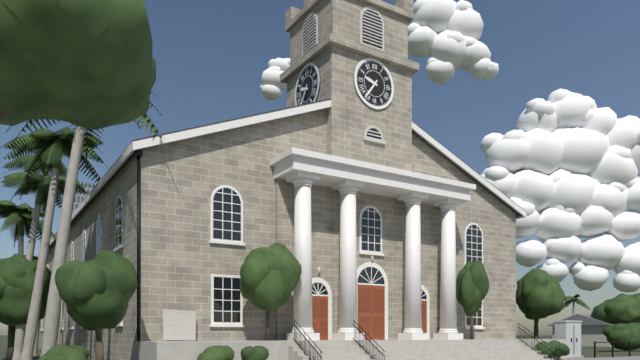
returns 9.36
